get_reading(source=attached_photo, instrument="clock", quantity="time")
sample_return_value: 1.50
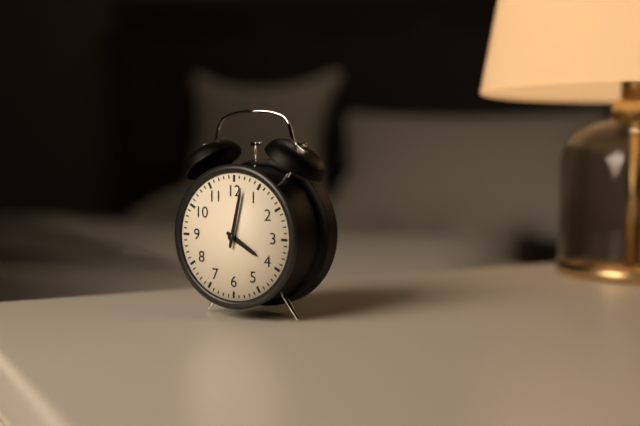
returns 4.02
